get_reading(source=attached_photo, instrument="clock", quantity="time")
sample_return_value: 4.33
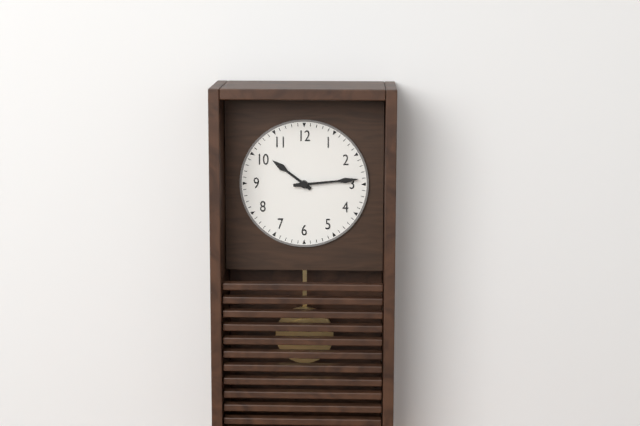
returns 10.14
